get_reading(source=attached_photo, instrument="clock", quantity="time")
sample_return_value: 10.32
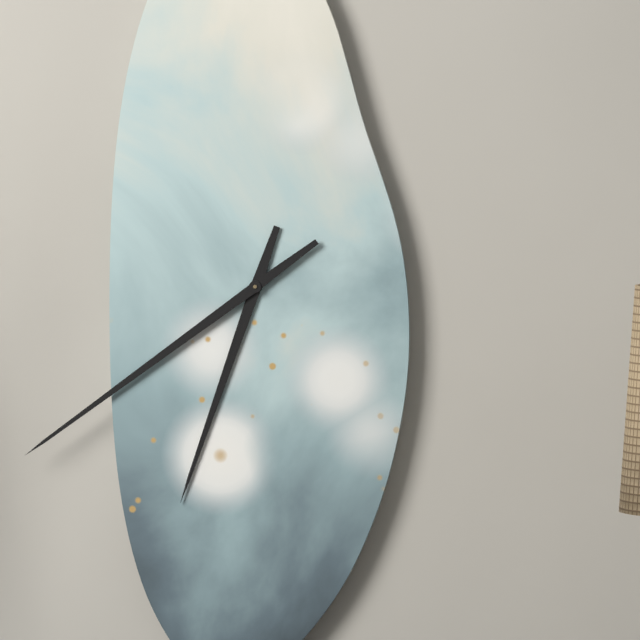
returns 6.39
